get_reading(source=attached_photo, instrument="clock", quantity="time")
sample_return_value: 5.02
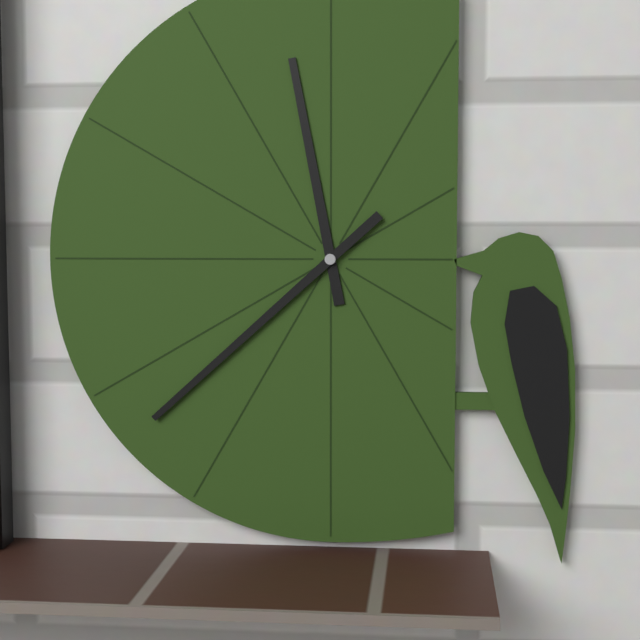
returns 11.38
